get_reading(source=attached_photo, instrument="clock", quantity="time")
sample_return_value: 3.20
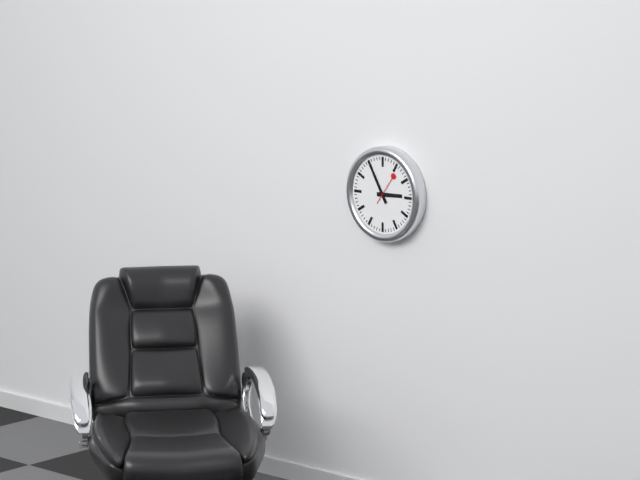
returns 2.55
